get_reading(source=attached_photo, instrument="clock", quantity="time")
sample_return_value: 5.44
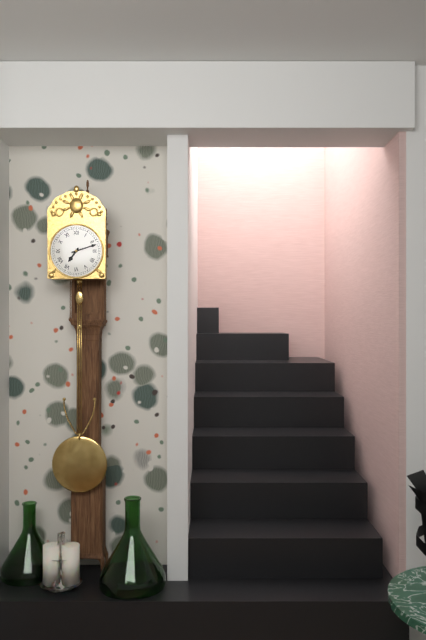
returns 7.12
